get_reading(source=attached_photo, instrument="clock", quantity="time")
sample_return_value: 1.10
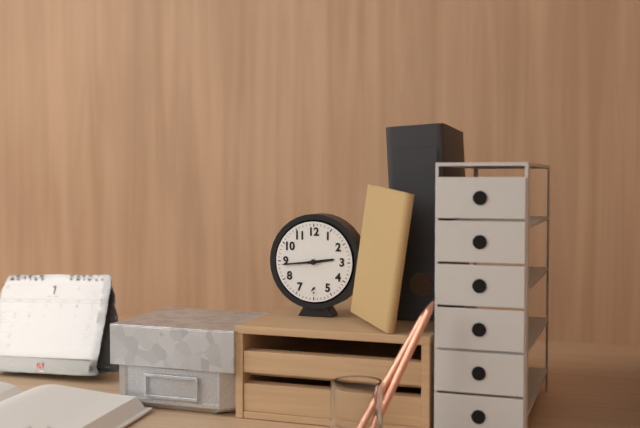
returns 2.44
